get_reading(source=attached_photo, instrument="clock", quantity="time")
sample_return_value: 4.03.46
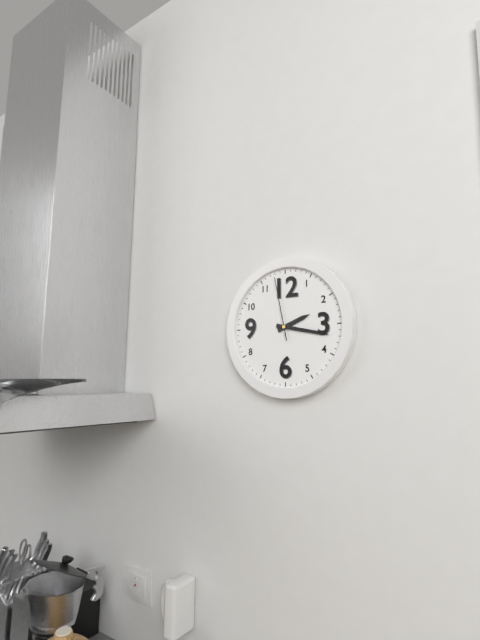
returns 2.17.58
